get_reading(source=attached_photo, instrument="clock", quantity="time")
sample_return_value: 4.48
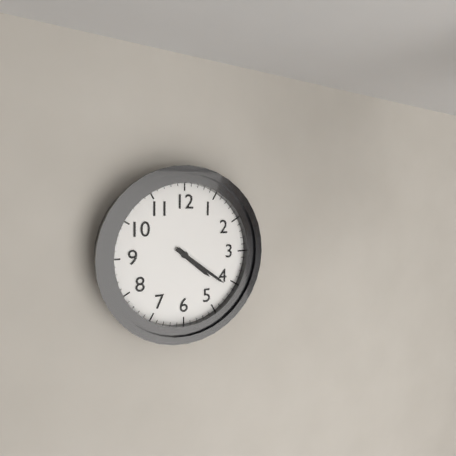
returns 4.21
